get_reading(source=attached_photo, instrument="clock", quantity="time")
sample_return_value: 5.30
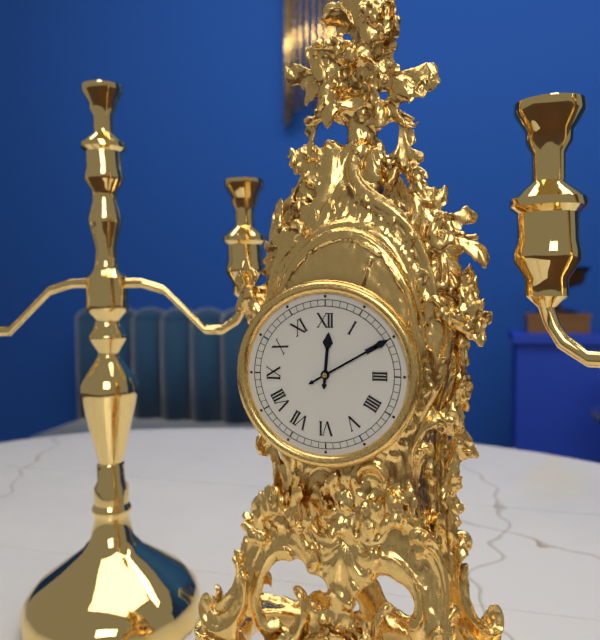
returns 12.10
